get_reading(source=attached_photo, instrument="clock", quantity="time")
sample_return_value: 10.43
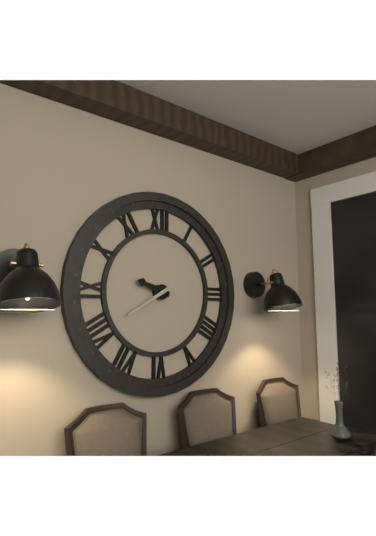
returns 9.40
